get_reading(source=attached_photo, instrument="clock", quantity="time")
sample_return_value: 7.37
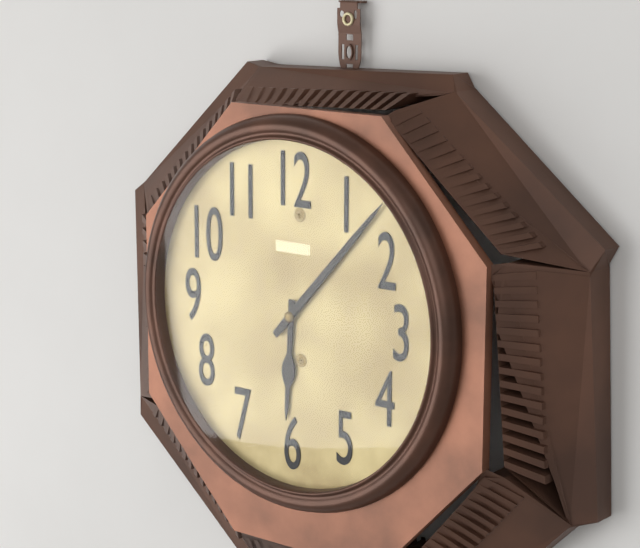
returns 6.07
